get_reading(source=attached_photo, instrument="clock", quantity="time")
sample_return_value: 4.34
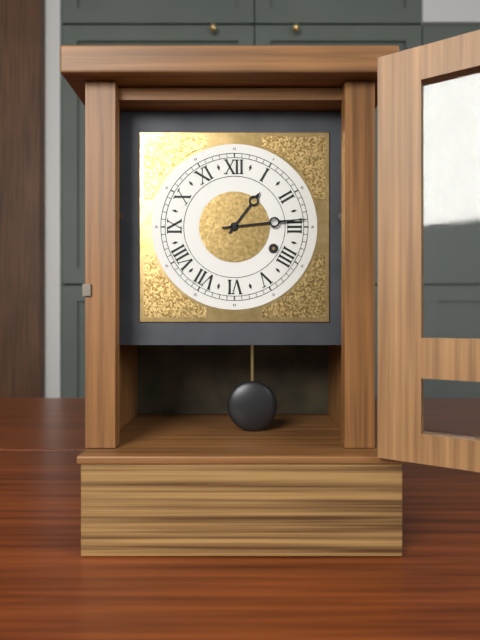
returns 1.14
